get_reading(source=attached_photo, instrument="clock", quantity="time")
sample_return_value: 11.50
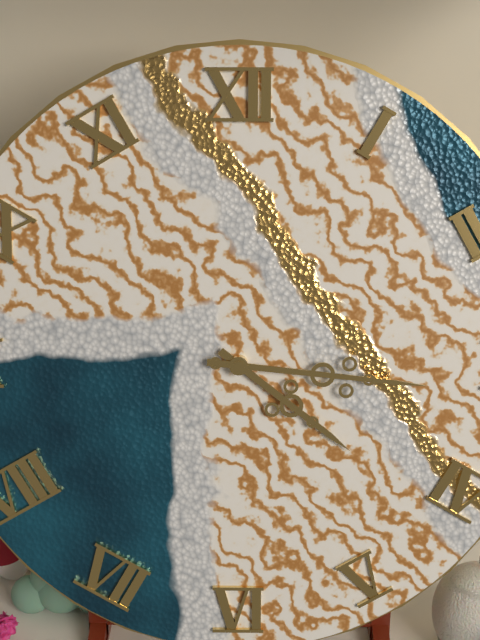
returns 4.16
